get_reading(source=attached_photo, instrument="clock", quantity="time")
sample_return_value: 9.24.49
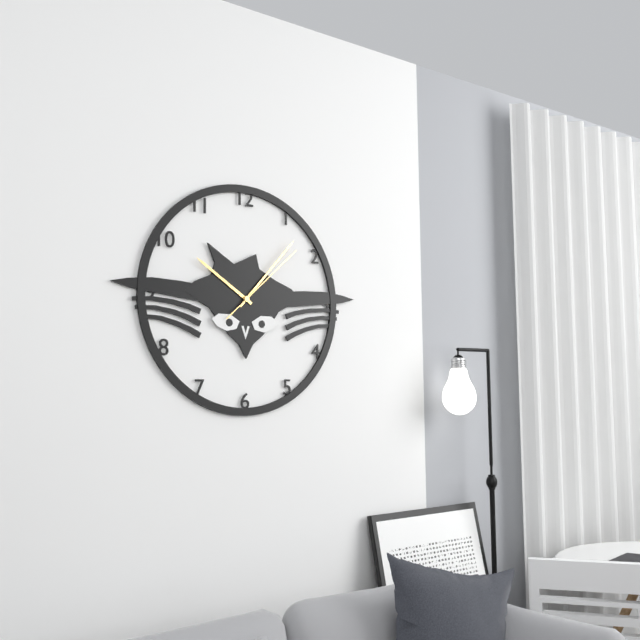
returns 10.07.08
